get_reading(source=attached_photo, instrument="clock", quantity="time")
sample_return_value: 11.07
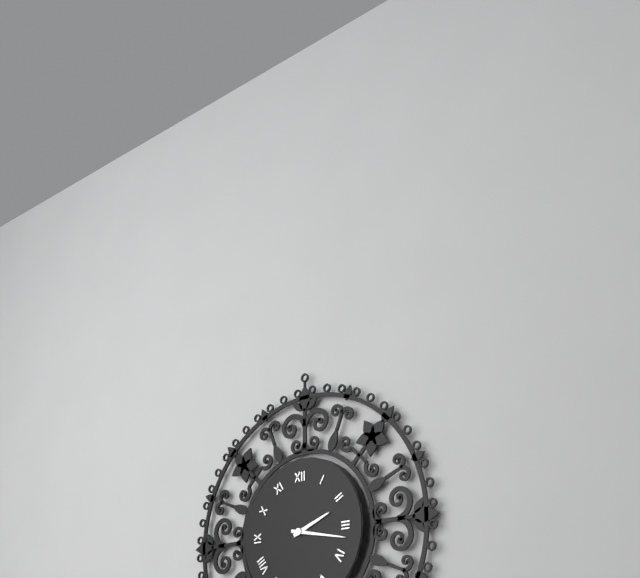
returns 2.17
